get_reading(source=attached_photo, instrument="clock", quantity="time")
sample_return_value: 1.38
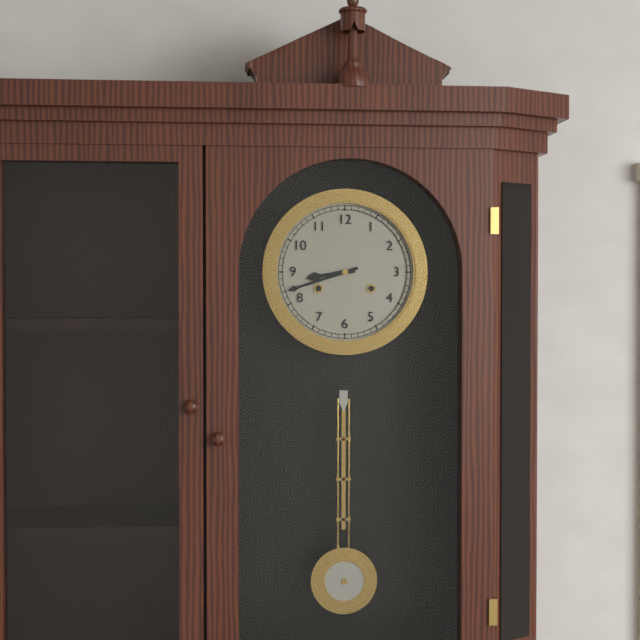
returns 8.42
